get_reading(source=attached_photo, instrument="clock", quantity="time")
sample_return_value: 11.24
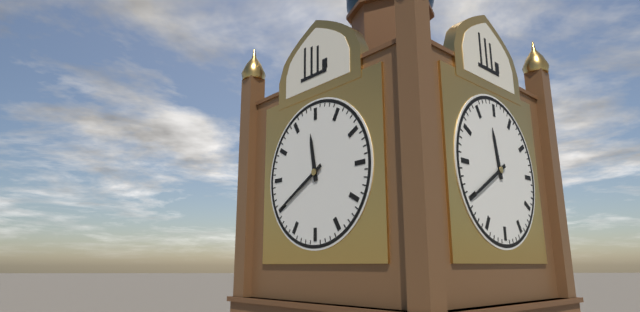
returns 11.40
